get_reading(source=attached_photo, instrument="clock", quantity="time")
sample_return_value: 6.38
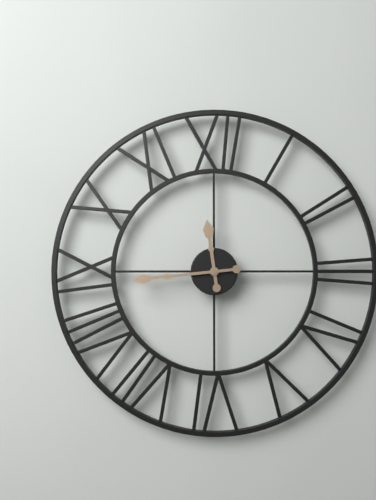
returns 11.44
